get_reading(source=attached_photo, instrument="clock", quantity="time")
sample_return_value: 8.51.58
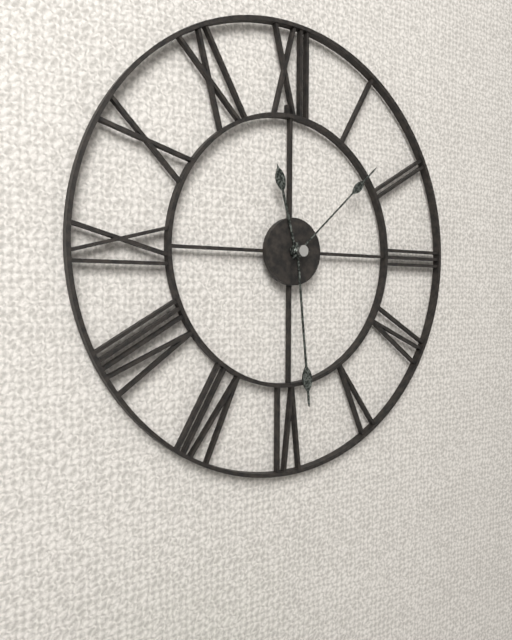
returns 11.29.08
